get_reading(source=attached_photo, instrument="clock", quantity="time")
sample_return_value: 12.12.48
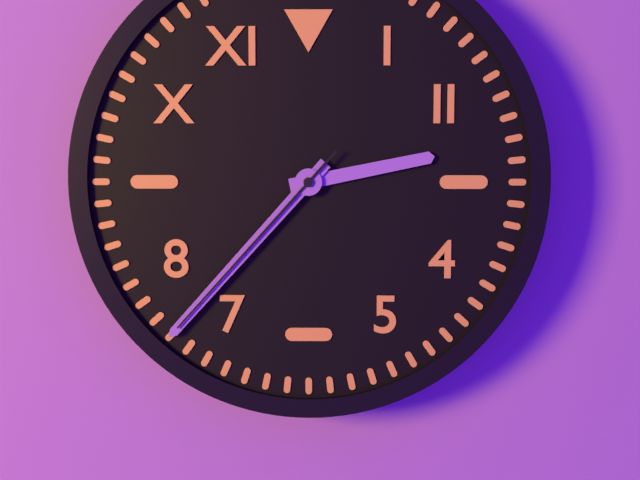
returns 2.37.37
